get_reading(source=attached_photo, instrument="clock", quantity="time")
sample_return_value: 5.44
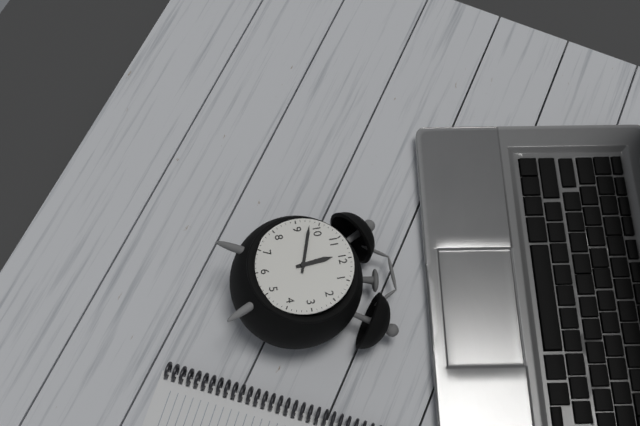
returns 11.48
